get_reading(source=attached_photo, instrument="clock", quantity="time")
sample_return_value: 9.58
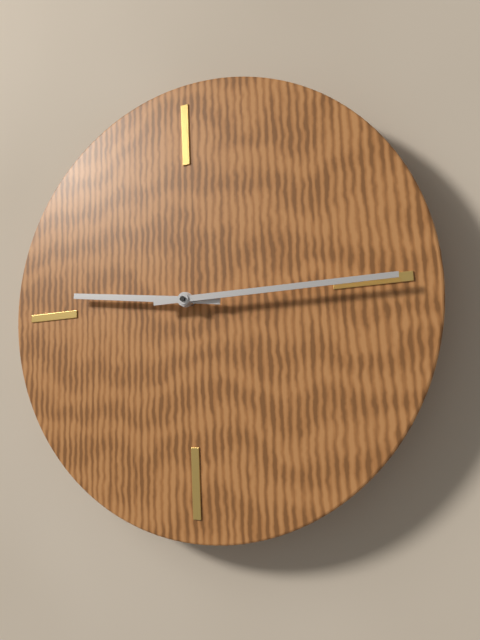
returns 9.15
